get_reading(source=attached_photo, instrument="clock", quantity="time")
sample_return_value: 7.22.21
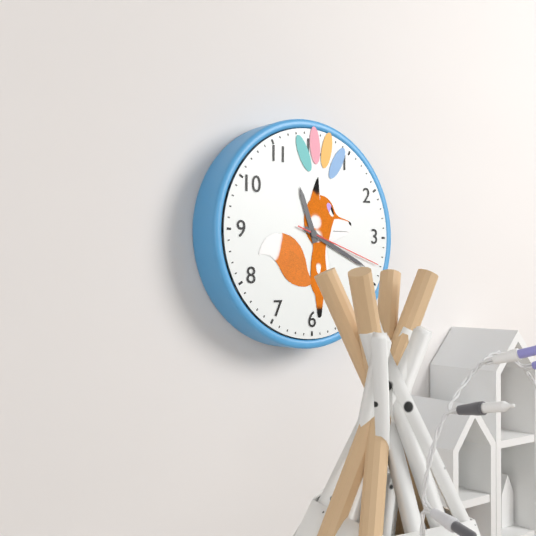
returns 11.19.18
